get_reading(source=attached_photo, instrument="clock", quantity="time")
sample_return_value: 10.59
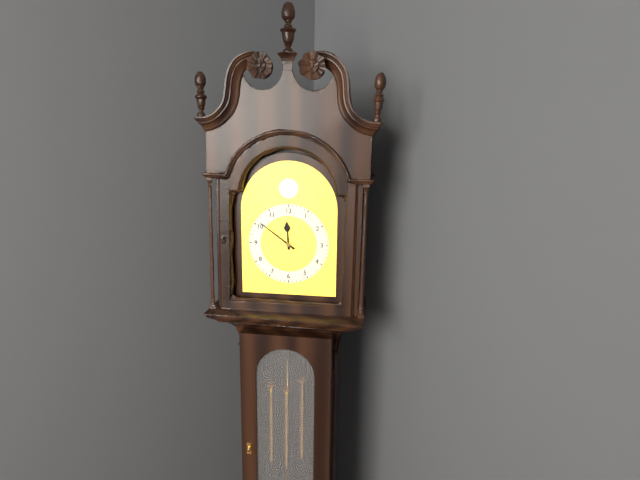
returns 11.51
